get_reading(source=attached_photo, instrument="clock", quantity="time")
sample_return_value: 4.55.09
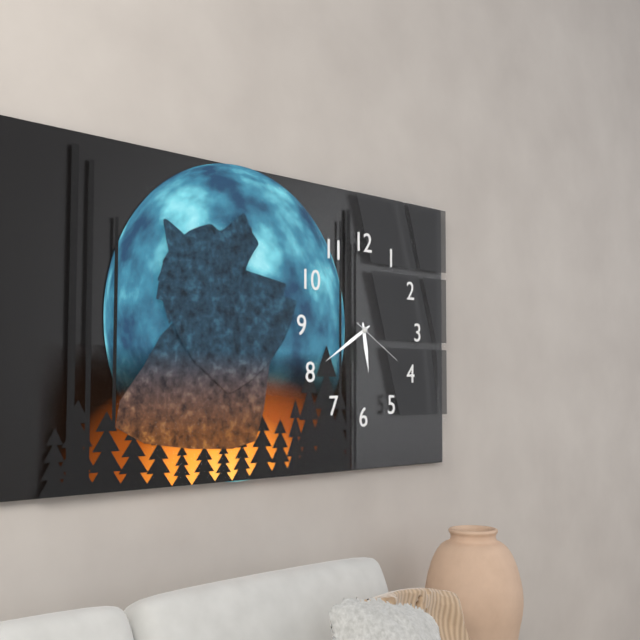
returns 5.40.20
